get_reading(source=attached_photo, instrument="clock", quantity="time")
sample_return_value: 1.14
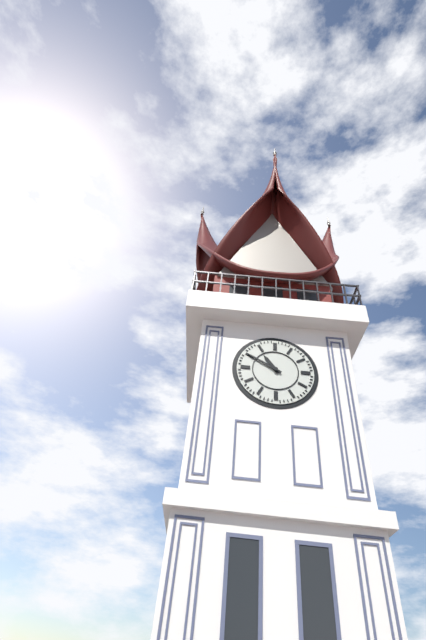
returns 10.50
